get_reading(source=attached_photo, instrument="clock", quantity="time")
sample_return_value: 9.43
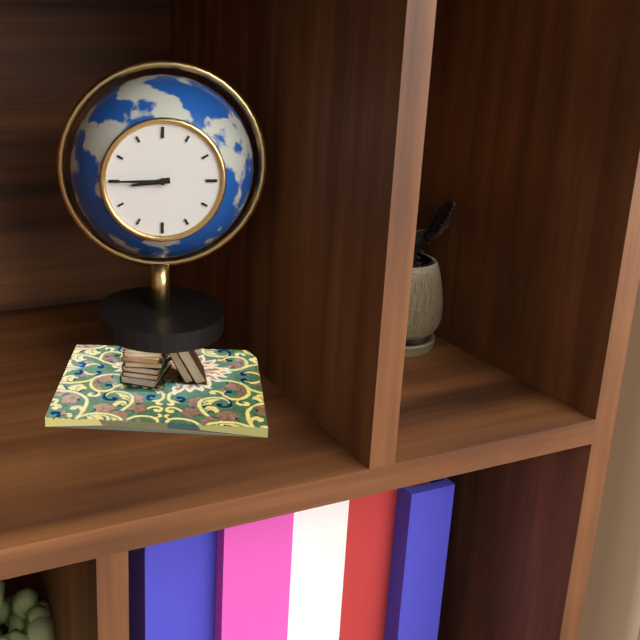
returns 8.45
